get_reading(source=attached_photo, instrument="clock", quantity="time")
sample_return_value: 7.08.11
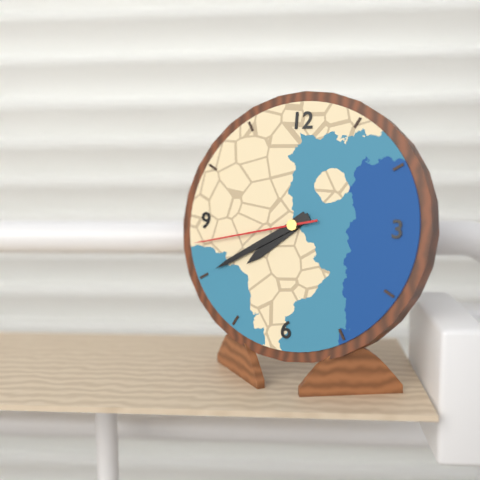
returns 7.40.43
